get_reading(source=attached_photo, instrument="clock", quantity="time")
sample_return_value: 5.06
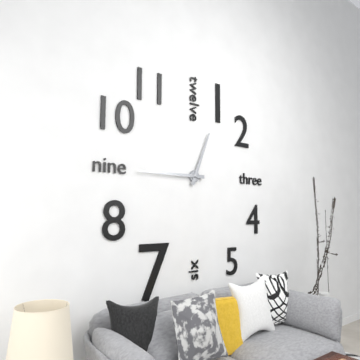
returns 12.45
